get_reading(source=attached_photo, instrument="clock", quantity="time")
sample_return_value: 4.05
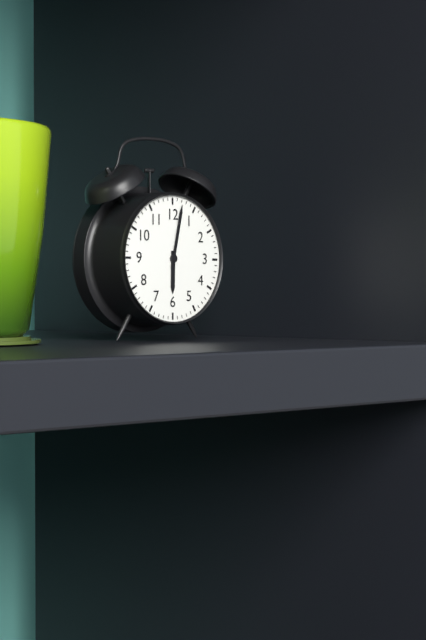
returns 6.02
